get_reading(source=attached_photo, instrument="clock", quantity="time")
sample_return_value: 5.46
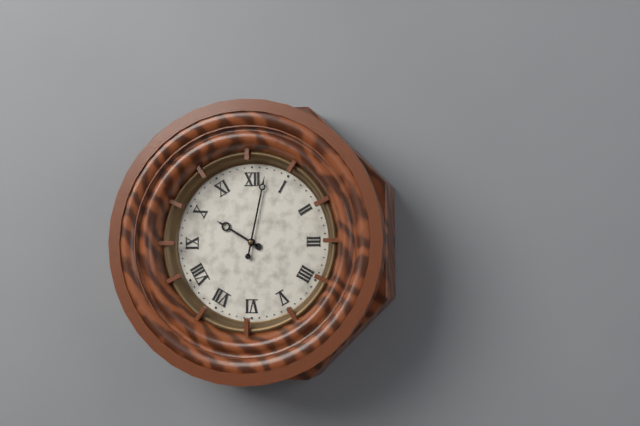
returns 10.02
